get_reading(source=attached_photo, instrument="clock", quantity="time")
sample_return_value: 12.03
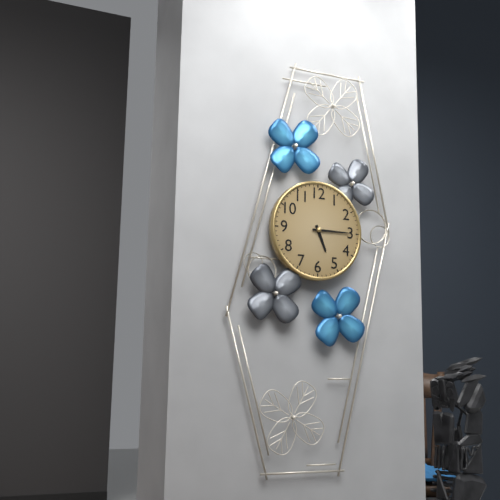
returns 5.15
